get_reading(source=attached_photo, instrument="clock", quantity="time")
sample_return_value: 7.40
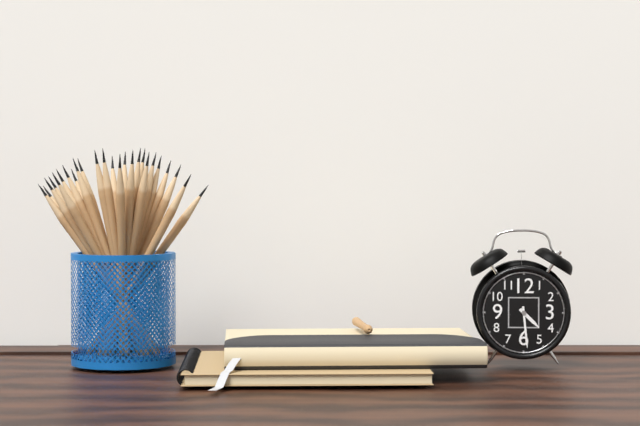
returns 4.29
